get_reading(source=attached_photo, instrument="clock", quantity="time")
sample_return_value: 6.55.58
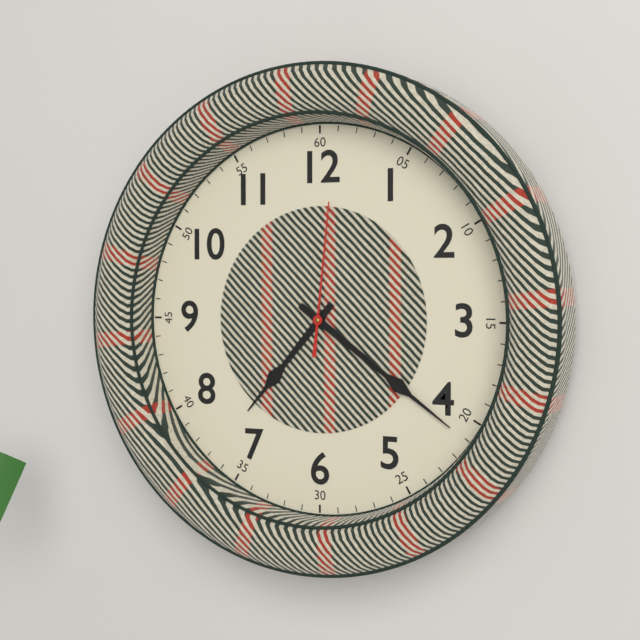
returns 7.21.01
